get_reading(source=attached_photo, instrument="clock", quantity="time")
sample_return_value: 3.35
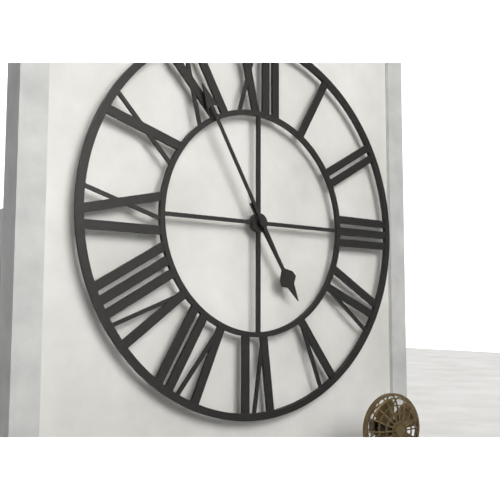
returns 4.55
